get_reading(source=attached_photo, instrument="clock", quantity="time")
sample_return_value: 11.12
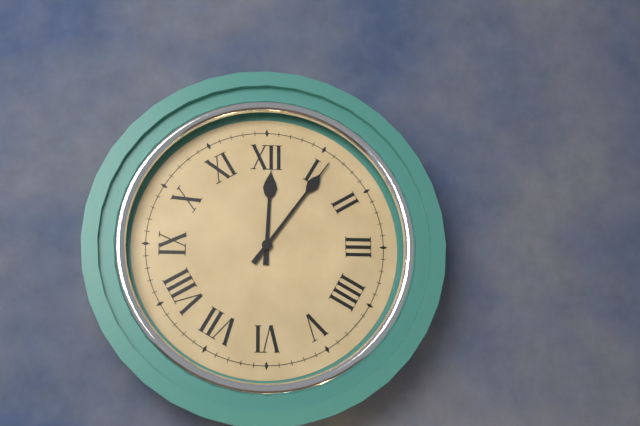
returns 12.06
